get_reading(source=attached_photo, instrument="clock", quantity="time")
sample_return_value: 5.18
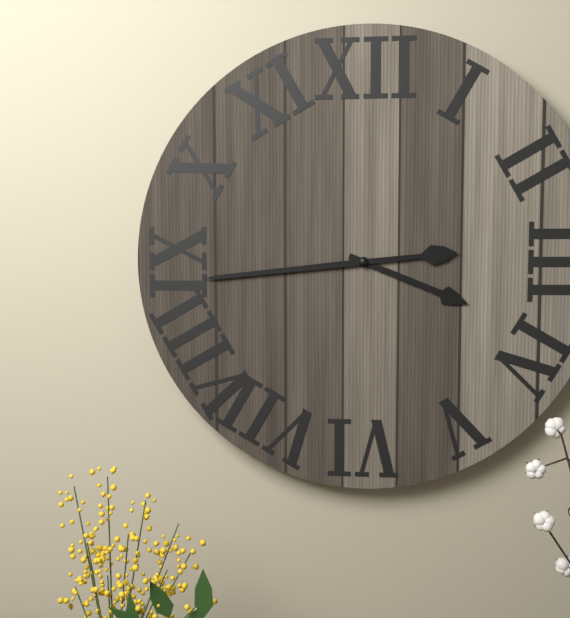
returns 3.44
